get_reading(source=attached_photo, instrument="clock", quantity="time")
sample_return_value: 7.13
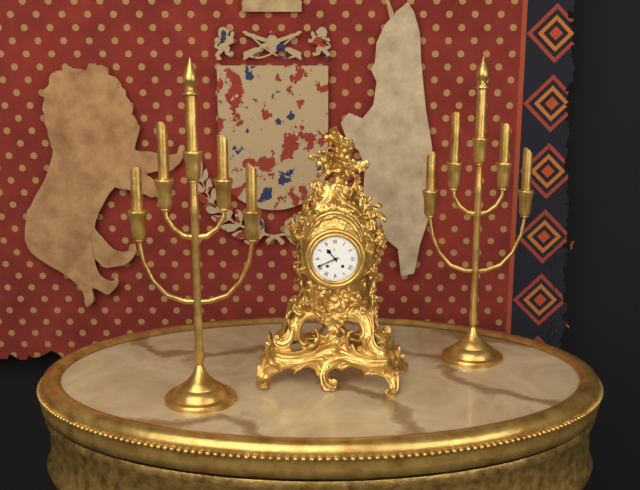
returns 10.41
